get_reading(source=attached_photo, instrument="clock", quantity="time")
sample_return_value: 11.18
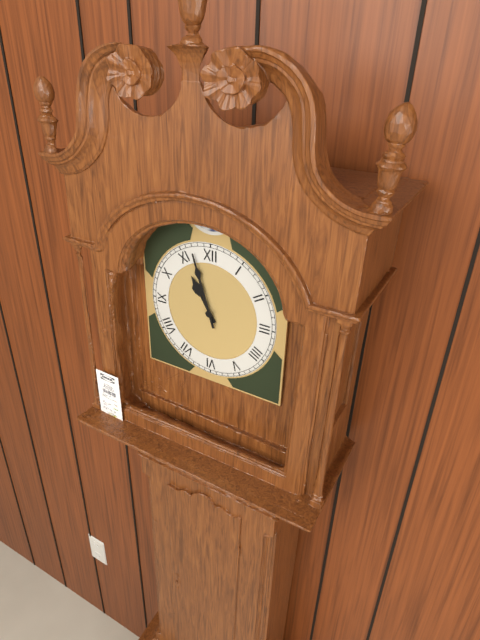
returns 10.57
